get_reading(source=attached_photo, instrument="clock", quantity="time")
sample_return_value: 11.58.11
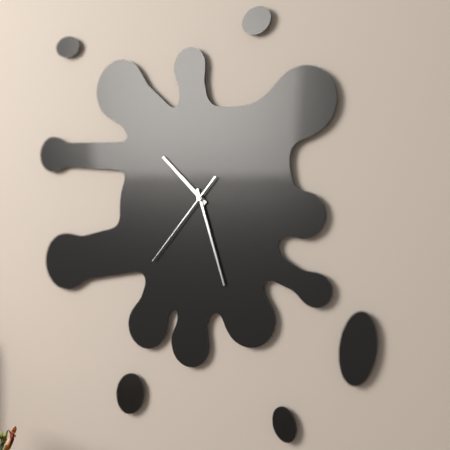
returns 10.27.37
